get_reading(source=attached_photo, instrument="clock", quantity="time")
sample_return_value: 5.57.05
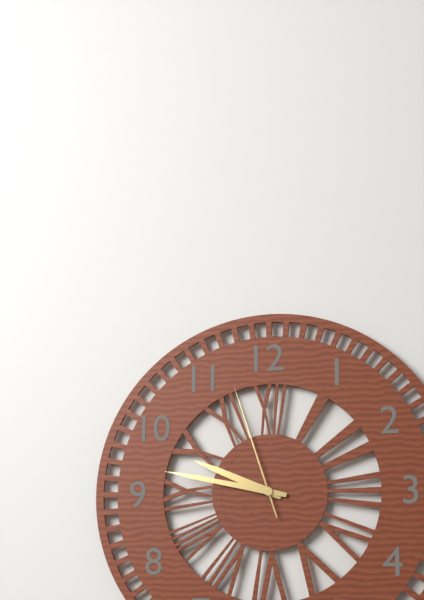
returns 9.47.57
